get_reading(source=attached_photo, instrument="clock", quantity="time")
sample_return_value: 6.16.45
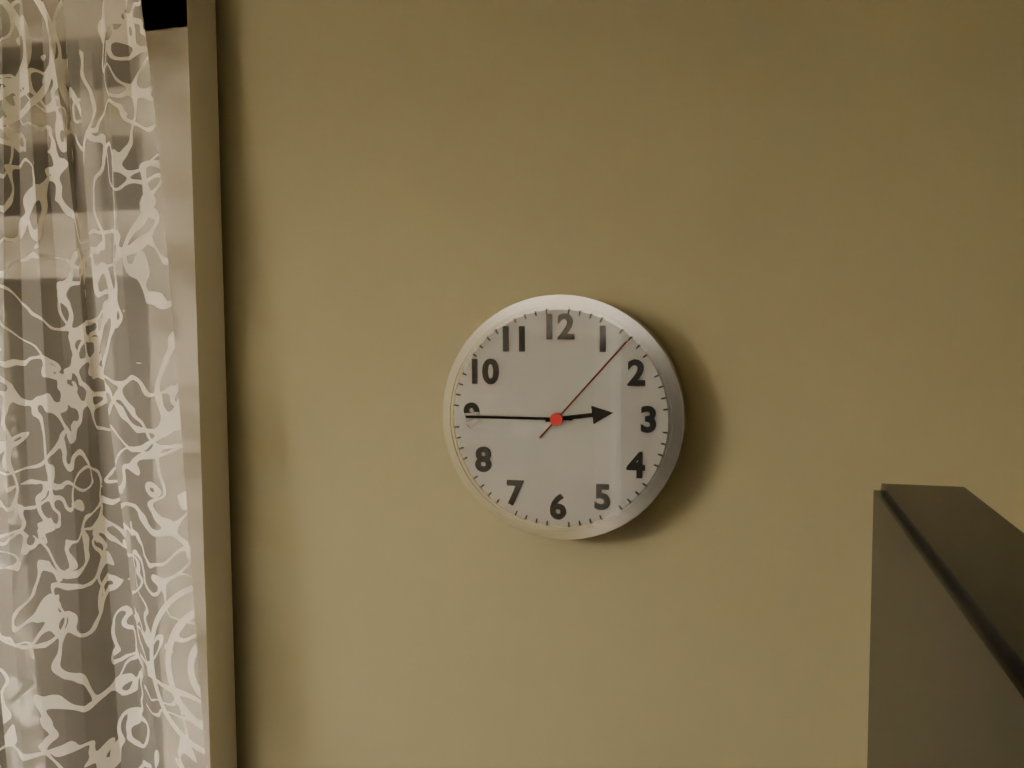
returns 2.45.07
